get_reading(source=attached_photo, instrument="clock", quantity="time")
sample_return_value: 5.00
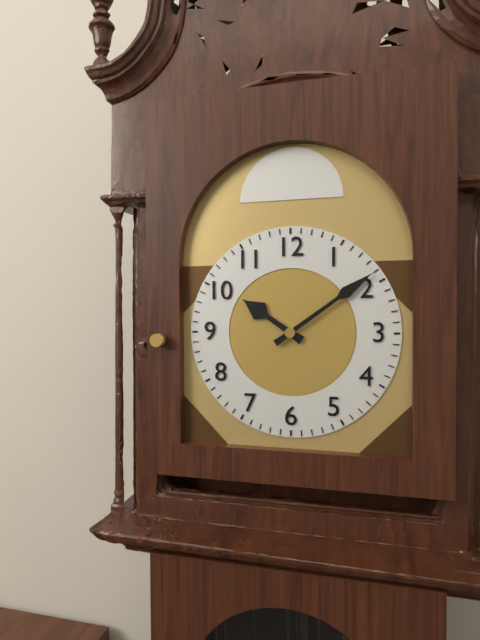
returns 10.09
